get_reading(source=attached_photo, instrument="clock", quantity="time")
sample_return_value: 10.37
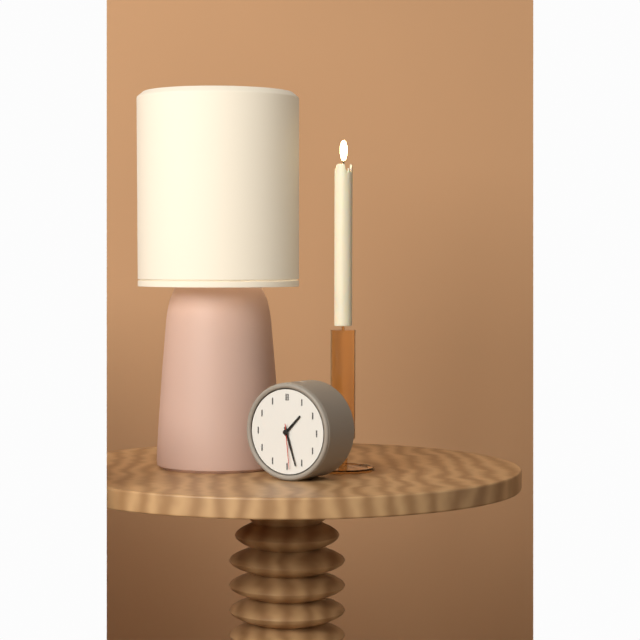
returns 1.27
